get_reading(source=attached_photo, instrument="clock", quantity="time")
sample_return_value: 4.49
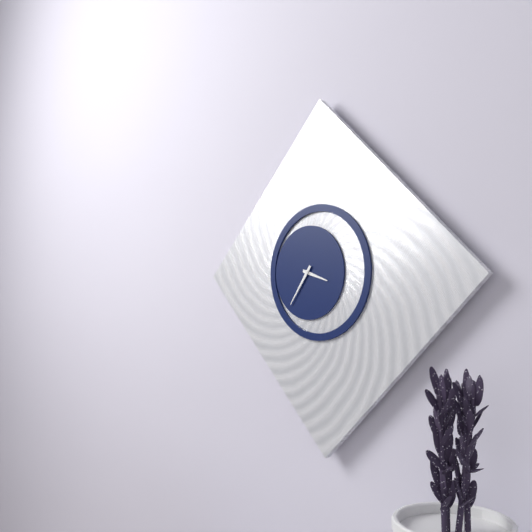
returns 3.36
